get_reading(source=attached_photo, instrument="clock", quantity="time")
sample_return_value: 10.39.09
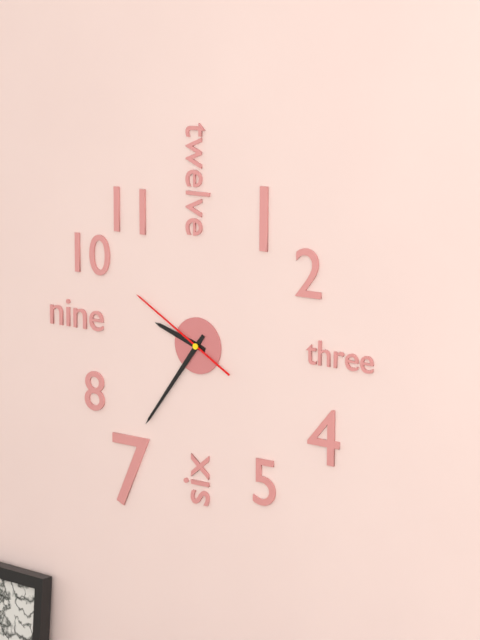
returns 9.36.50
